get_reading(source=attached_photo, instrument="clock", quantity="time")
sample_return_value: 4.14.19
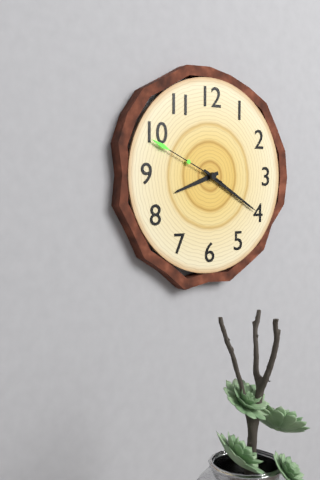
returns 8.20.49
